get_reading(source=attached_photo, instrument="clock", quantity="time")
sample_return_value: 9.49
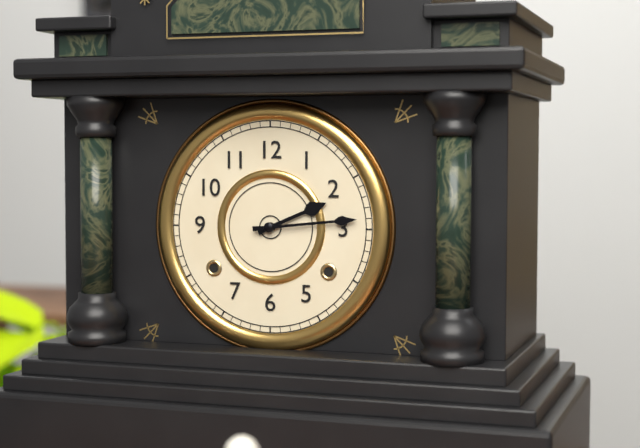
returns 2.14
